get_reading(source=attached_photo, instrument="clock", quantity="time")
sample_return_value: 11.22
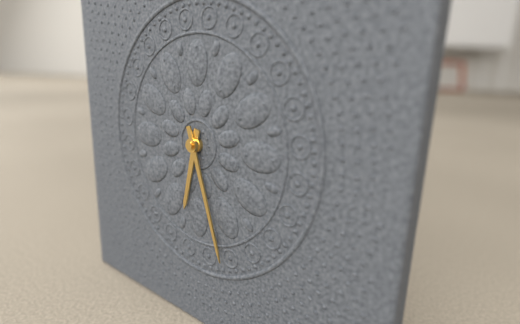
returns 6.27
